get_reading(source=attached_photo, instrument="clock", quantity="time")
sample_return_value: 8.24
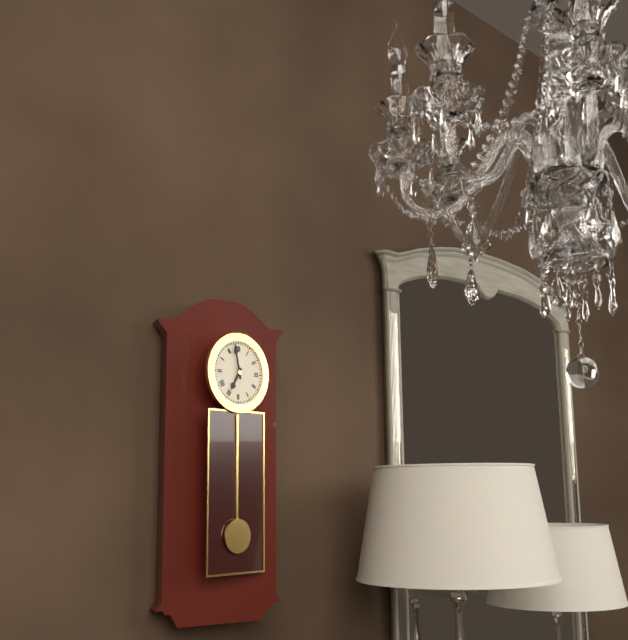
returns 6.58
